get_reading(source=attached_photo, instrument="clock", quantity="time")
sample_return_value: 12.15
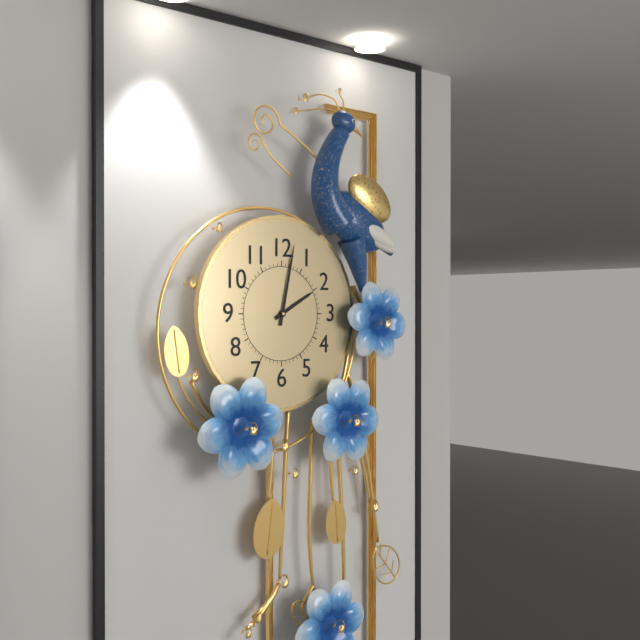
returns 2.02
